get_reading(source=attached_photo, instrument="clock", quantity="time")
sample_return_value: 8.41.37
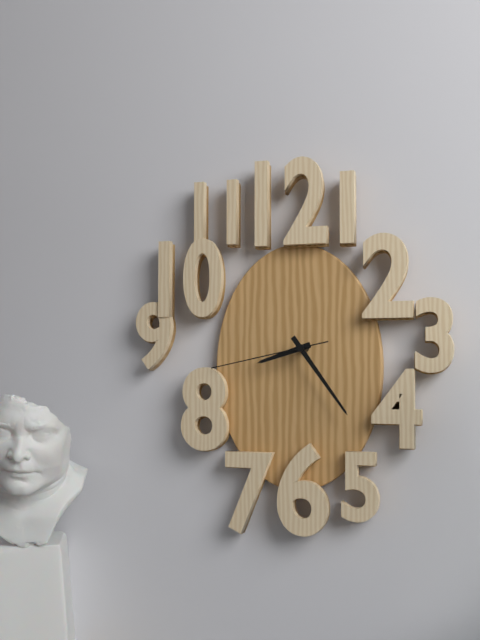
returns 8.24.43
